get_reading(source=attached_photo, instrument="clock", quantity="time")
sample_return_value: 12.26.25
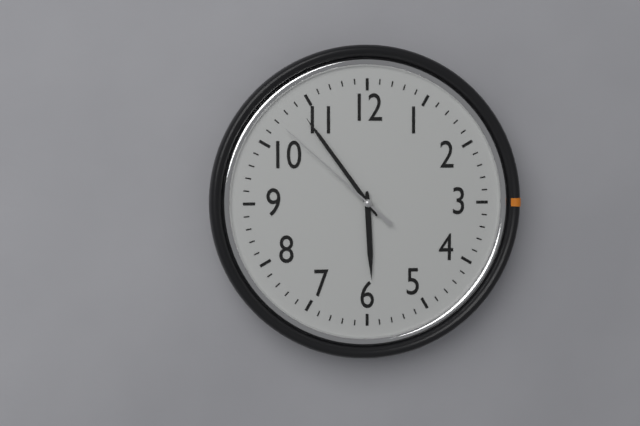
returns 5.54.52
